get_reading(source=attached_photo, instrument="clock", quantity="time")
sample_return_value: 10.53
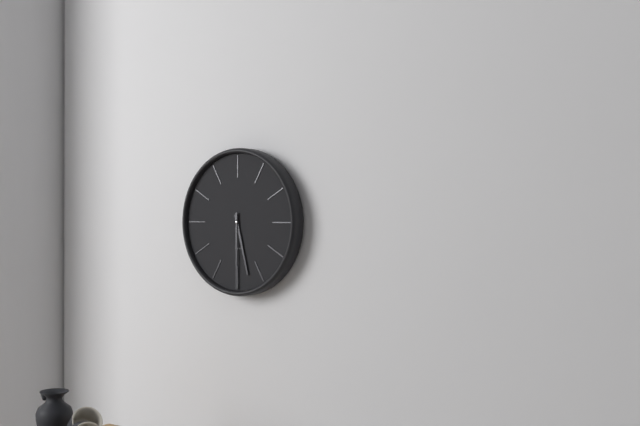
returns 5.30
